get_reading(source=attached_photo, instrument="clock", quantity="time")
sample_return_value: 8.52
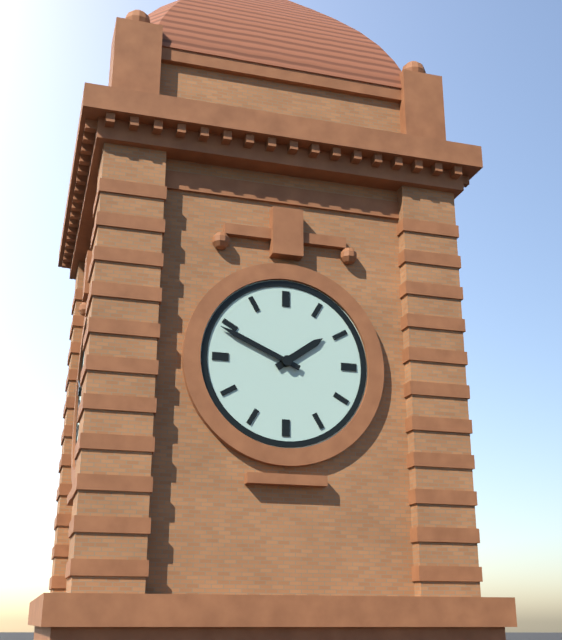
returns 1.49
